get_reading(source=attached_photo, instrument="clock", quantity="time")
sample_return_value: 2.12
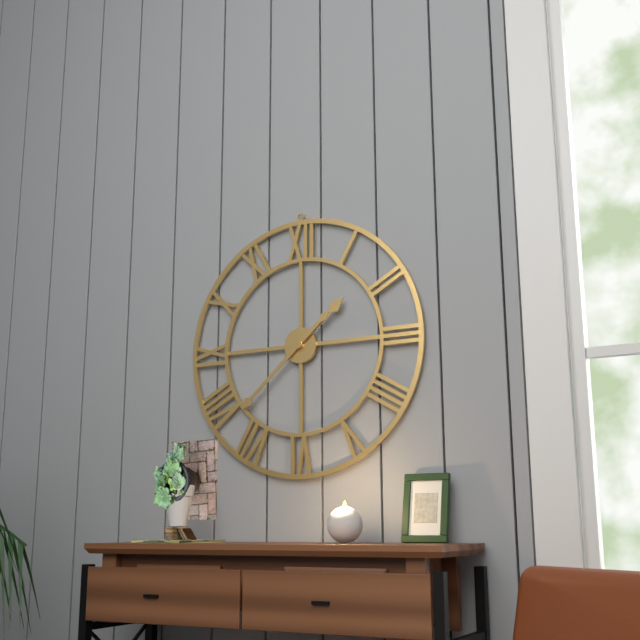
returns 1.38
